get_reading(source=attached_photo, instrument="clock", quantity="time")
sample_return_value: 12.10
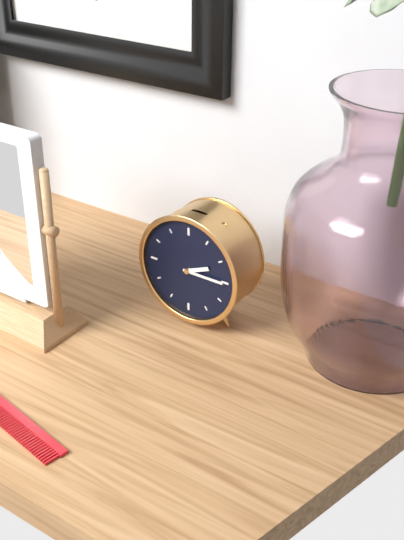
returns 2.15
